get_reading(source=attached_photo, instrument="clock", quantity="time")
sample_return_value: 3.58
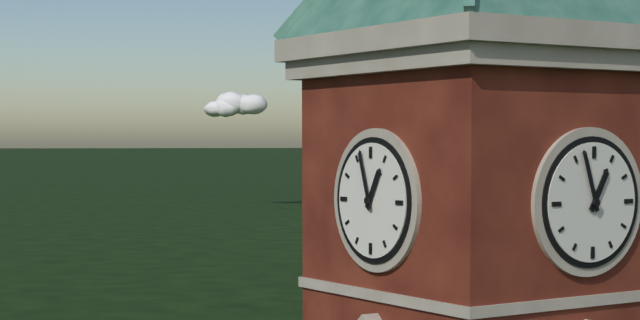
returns 12.57
